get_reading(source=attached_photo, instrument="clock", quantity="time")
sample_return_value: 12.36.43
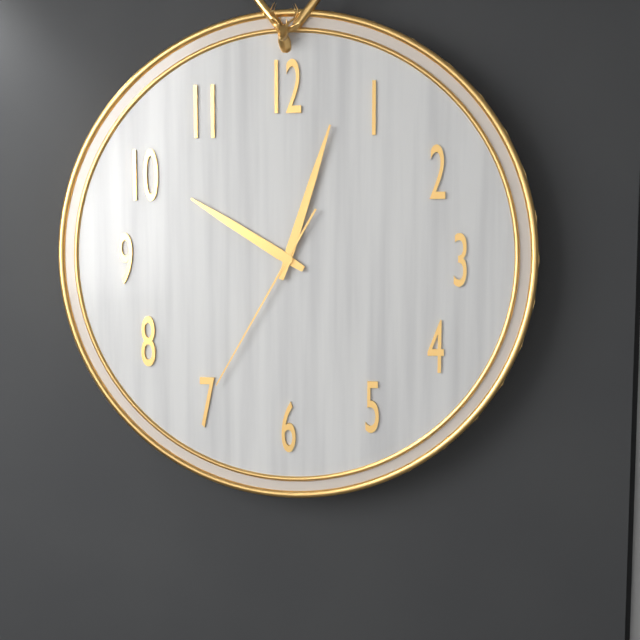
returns 10.03.35
